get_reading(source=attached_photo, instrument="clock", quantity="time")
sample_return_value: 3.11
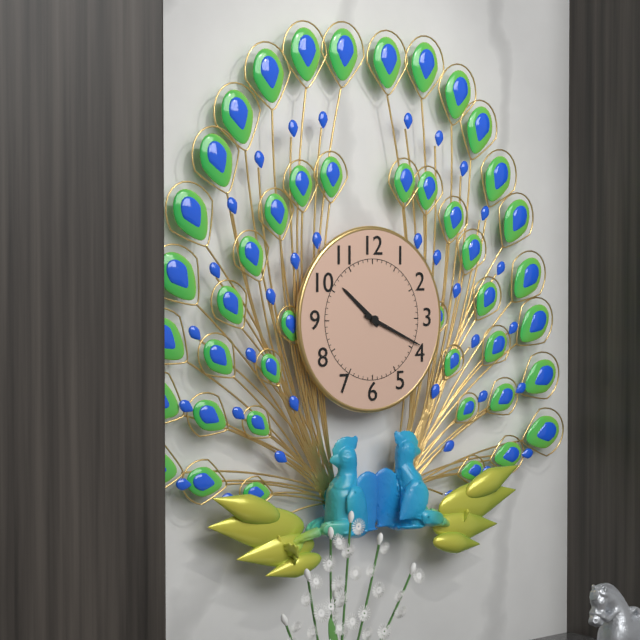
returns 10.19
